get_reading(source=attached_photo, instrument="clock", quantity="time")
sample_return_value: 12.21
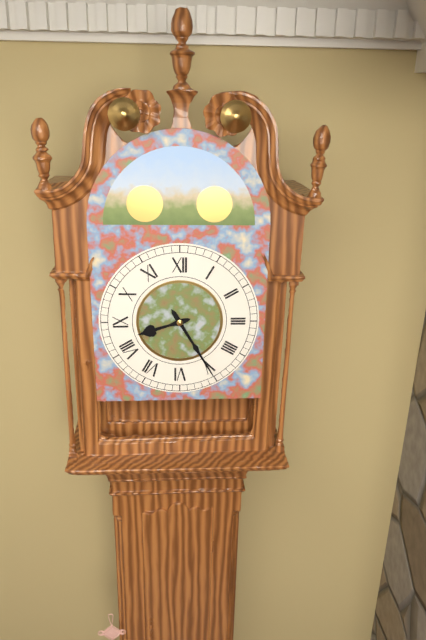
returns 8.25
